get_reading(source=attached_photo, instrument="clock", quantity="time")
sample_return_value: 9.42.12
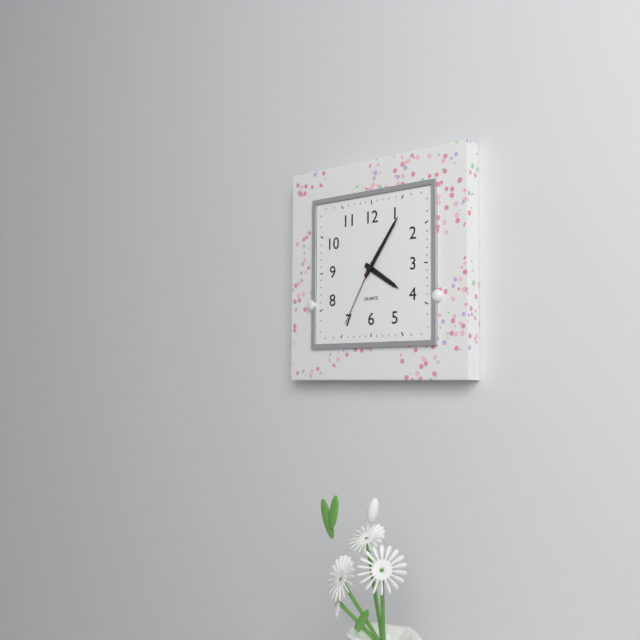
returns 4.06.35
